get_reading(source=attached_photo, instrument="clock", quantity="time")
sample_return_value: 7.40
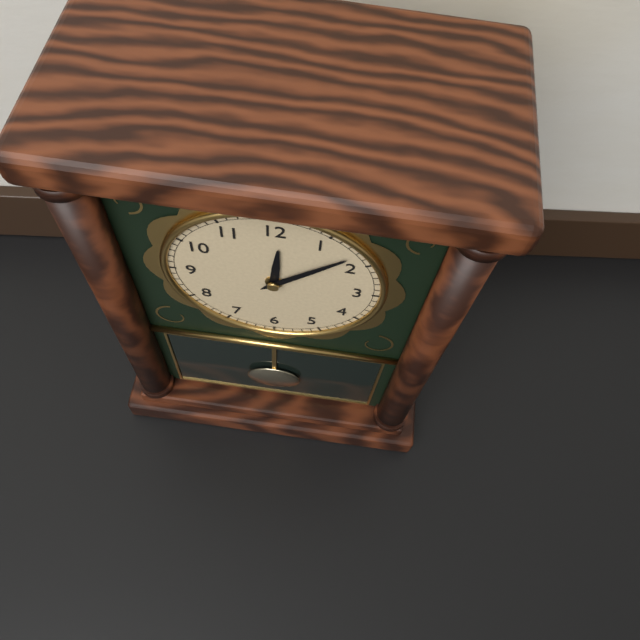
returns 12.08
